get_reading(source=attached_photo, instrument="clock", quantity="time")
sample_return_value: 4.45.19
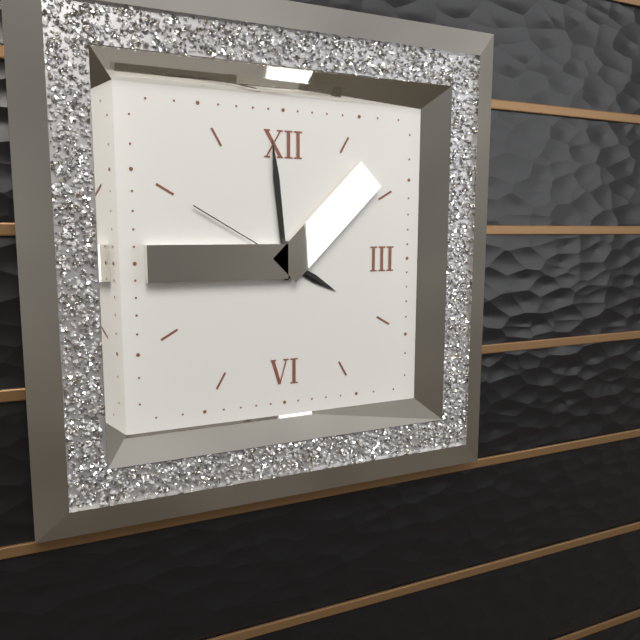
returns 3.59.50
